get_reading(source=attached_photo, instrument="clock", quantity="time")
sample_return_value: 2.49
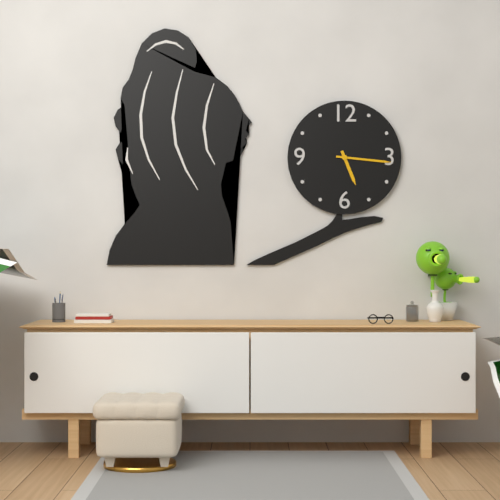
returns 5.16
